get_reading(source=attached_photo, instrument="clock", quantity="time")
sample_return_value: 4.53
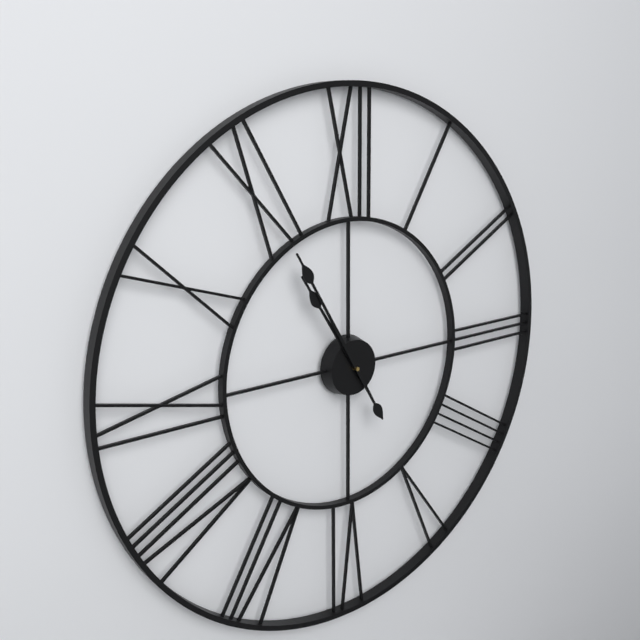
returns 10.55
